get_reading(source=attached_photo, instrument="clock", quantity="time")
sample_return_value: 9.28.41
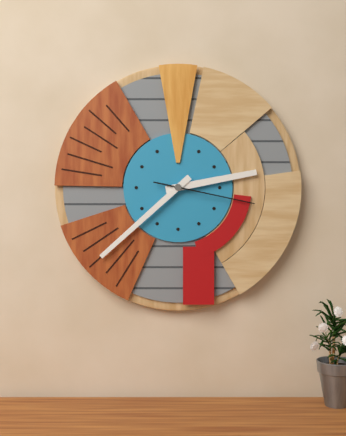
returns 2.38.17
